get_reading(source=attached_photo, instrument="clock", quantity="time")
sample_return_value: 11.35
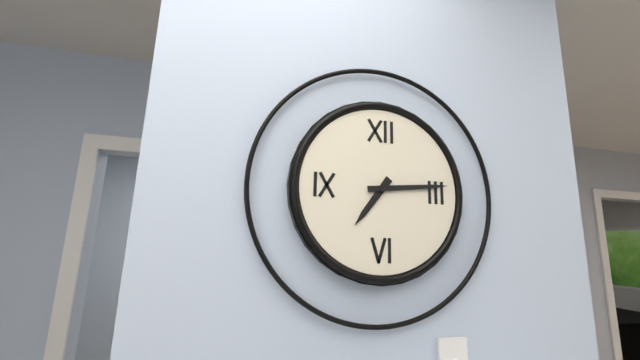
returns 7.14
